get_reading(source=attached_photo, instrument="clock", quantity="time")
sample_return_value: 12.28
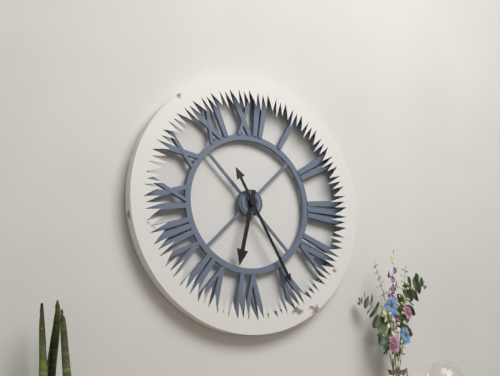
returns 6.25
